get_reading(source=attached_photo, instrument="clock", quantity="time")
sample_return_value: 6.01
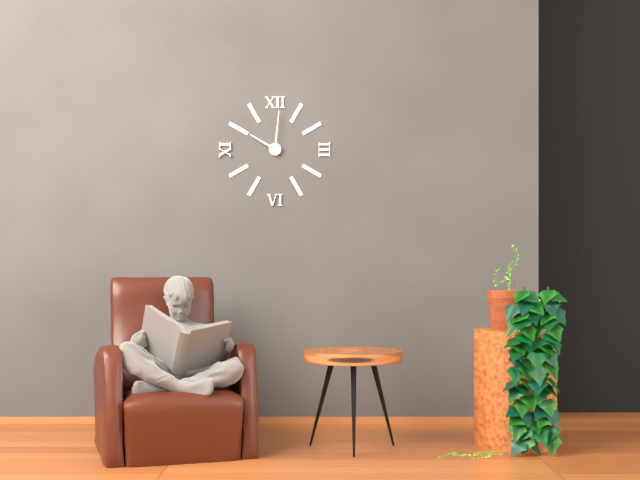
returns 10.01
